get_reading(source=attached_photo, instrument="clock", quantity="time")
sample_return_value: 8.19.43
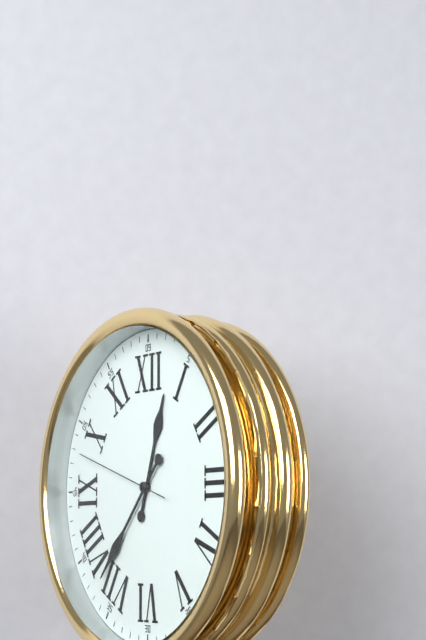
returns 12.37.48
